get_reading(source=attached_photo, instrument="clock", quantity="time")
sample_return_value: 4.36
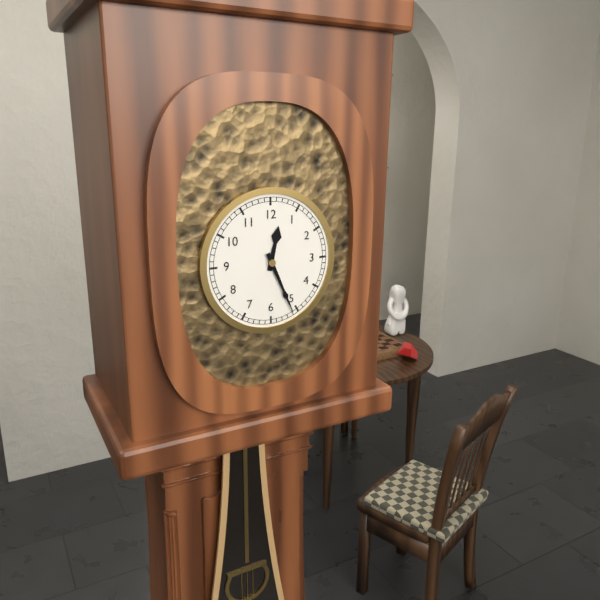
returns 12.26
